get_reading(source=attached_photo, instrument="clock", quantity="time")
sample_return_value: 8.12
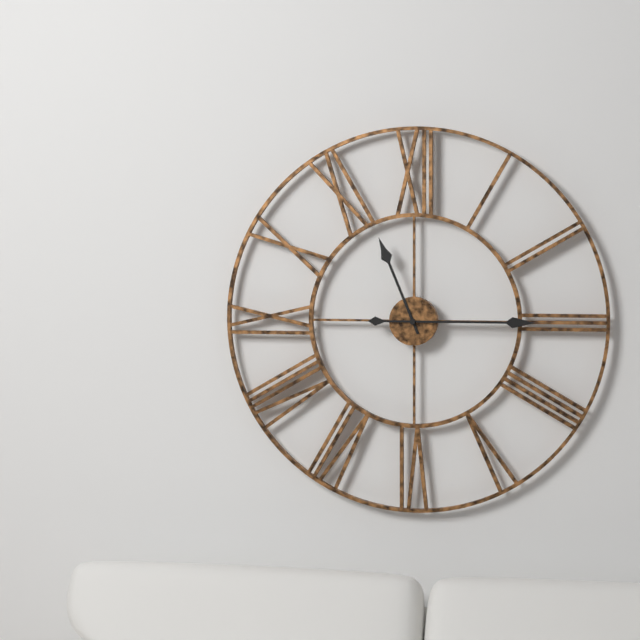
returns 11.15
